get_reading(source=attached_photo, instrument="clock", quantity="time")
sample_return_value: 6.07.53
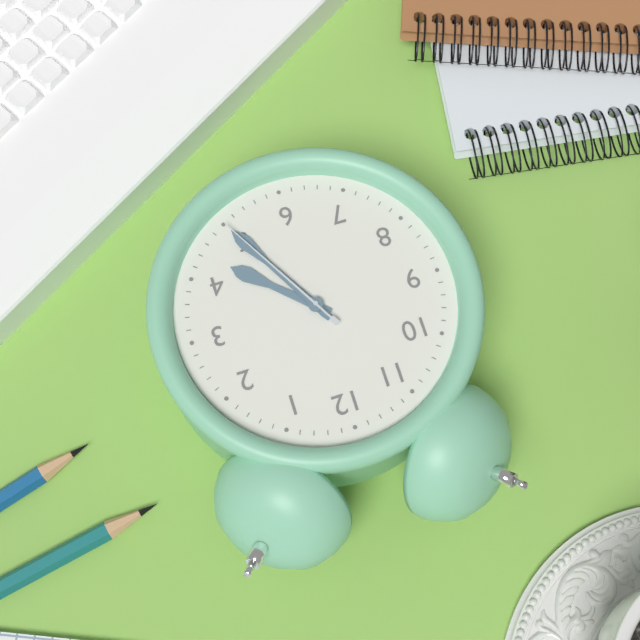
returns 4.25.25
